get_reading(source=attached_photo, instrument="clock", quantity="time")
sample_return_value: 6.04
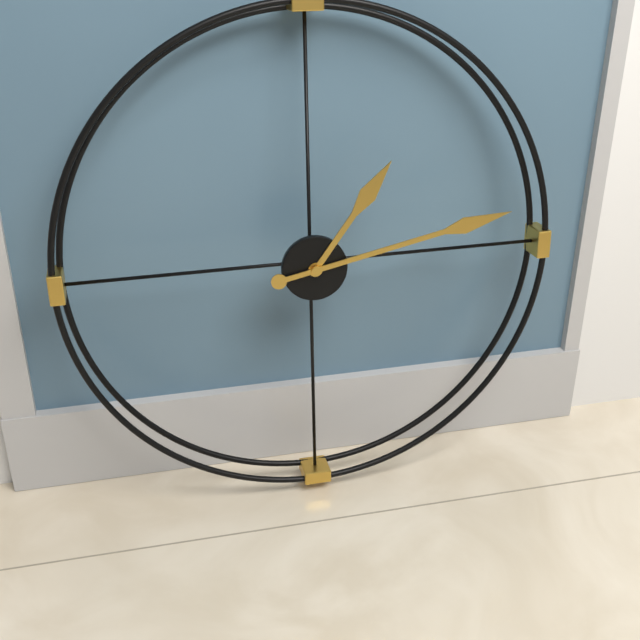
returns 1.13
